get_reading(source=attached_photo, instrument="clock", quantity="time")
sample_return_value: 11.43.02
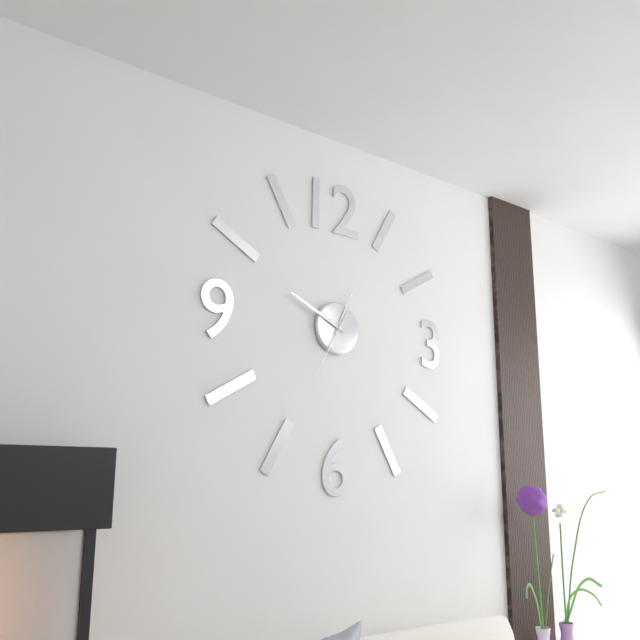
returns 12.49.35
